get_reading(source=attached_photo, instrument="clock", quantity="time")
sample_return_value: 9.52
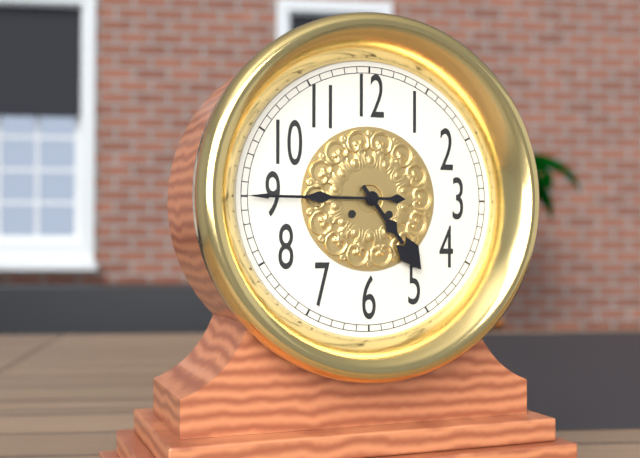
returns 4.45
